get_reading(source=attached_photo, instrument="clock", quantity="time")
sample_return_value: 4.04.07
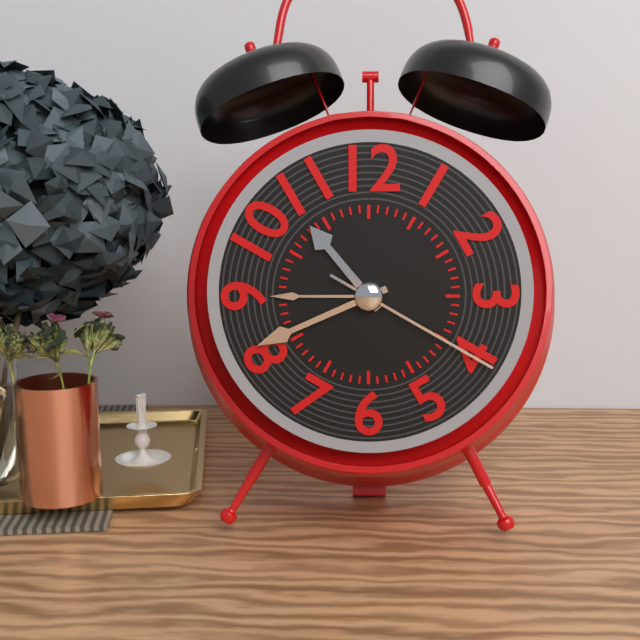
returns 10.41.20
